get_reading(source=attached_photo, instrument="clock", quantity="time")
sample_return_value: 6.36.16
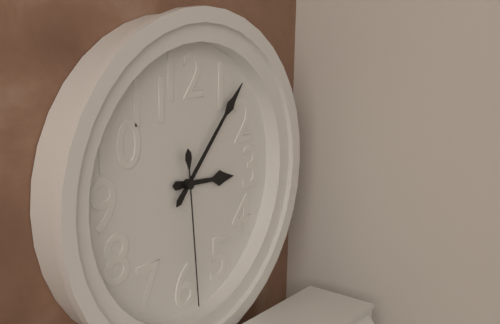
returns 3.07.29
